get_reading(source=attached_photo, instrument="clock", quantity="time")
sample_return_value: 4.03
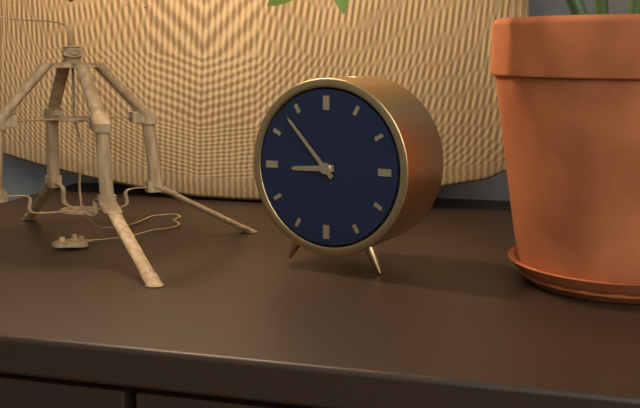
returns 8.53
